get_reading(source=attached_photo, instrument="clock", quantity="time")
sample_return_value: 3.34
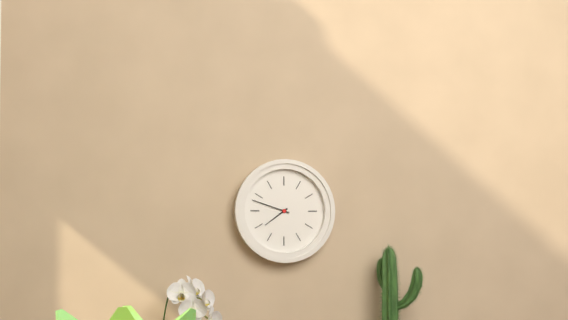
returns 7.48
